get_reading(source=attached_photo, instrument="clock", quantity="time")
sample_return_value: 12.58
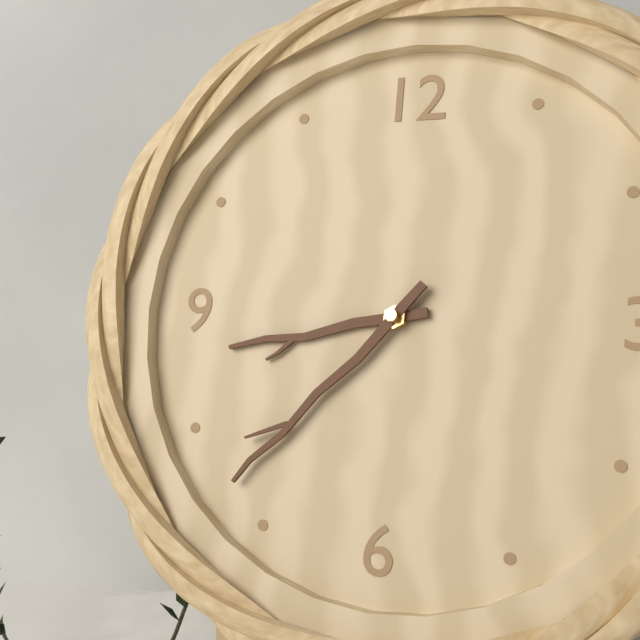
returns 8.37
